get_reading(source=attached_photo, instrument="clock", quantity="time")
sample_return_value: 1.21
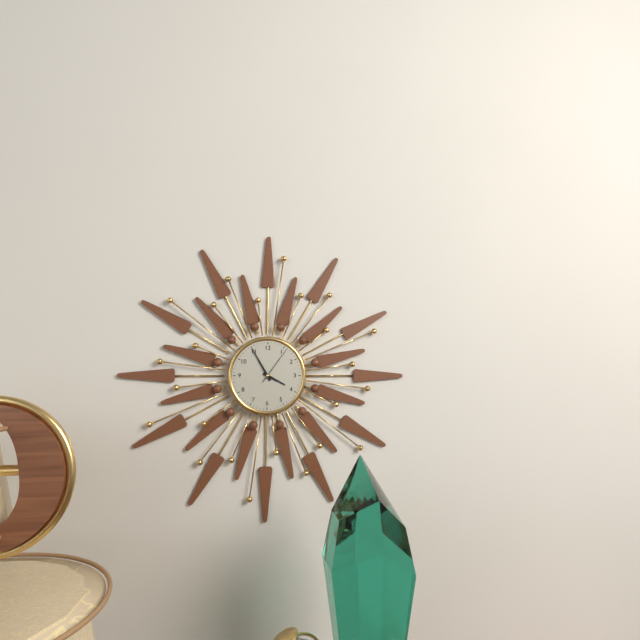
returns 3.55
